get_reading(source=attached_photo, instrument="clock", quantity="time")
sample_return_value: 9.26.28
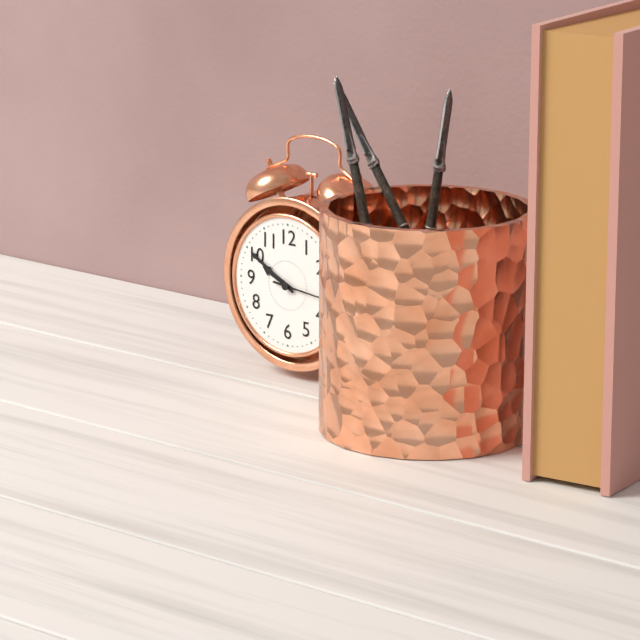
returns 9.50.16
